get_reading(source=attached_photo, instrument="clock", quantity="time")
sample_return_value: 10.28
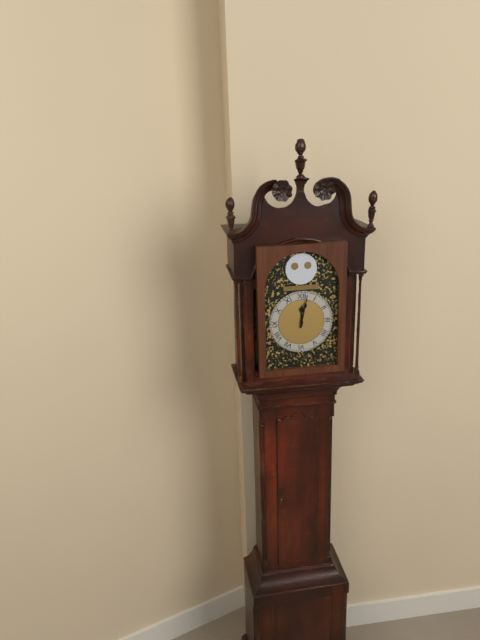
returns 12.02
